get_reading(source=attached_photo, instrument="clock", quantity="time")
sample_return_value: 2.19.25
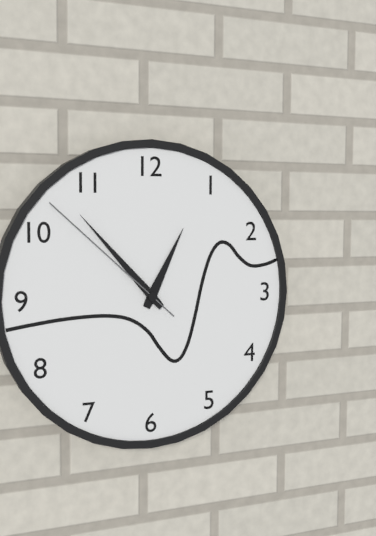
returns 12.53.52
